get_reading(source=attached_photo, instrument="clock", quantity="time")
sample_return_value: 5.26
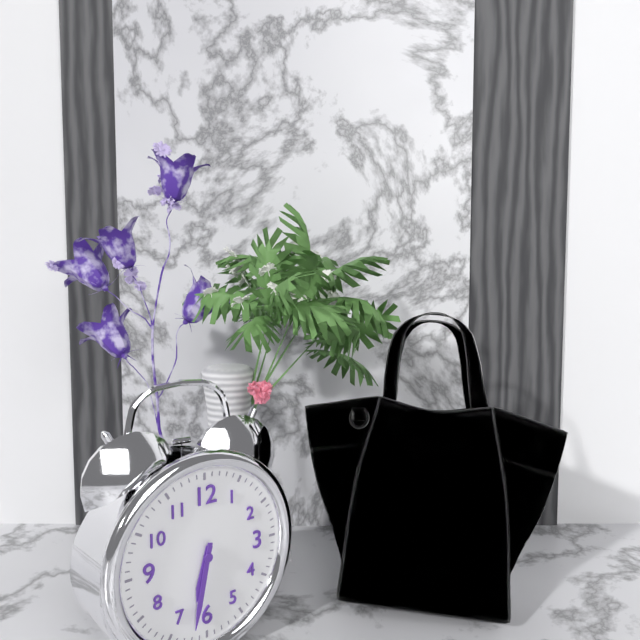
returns 6.32
